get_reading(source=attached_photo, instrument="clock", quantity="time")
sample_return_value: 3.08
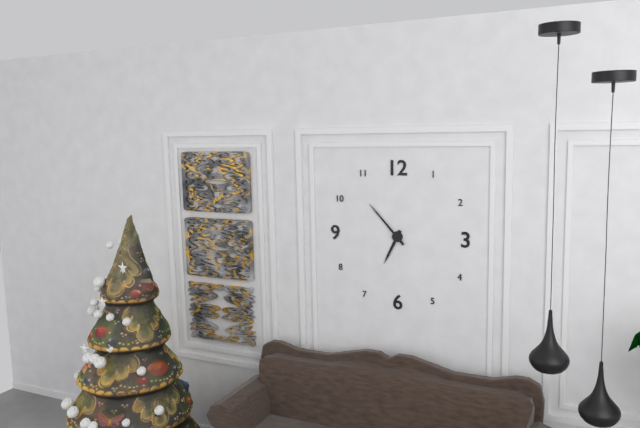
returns 6.53
